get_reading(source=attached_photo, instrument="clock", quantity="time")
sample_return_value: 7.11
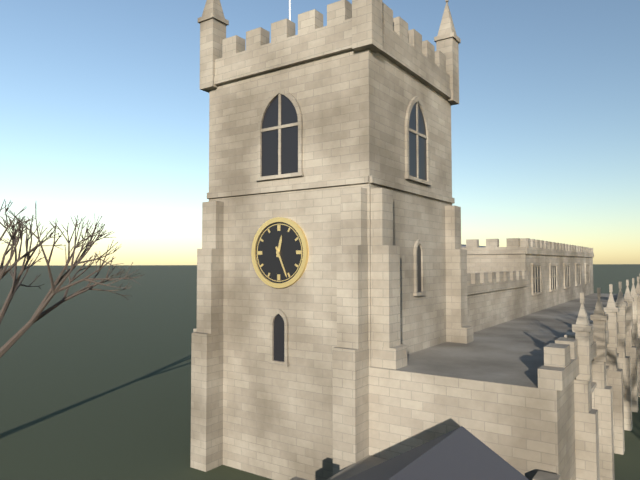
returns 12.26
